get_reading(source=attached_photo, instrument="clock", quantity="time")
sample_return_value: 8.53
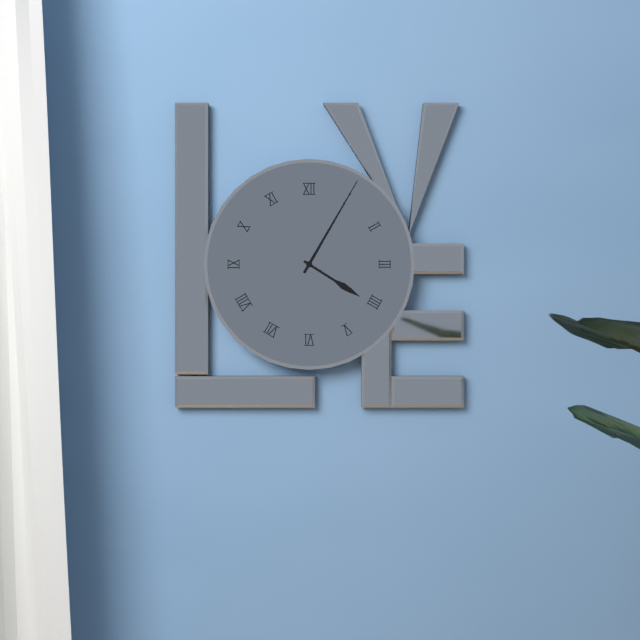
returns 4.05
